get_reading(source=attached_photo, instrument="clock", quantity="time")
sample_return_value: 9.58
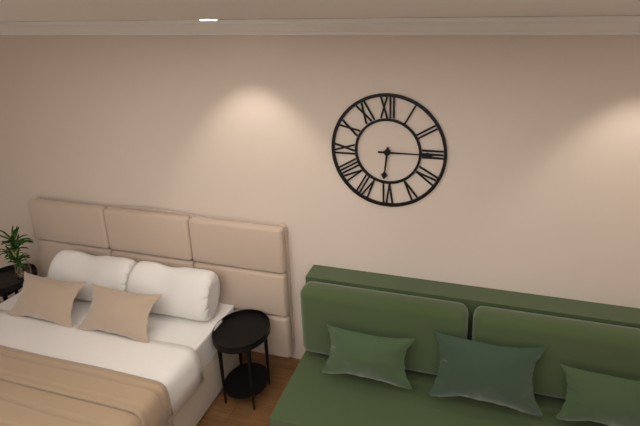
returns 6.15
